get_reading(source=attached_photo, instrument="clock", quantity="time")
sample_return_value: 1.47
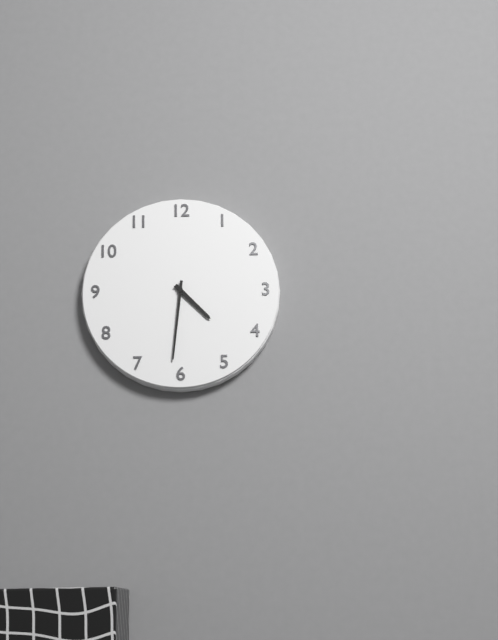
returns 4.31
